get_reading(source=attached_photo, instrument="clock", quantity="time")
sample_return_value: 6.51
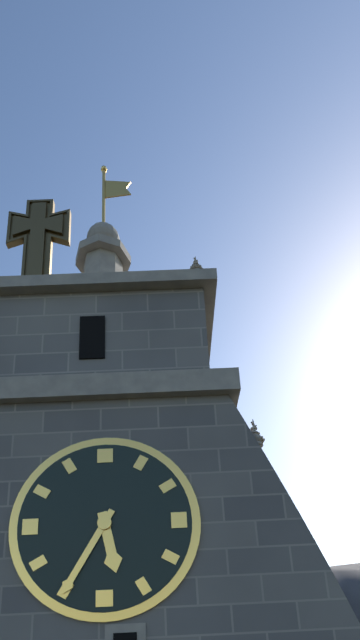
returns 5.35
